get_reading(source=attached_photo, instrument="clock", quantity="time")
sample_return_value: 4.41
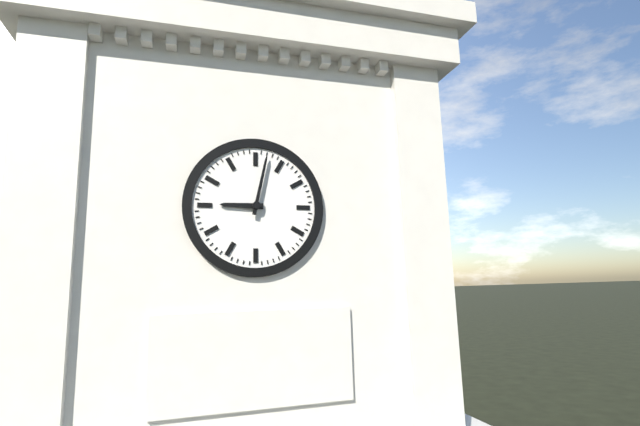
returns 9.02
